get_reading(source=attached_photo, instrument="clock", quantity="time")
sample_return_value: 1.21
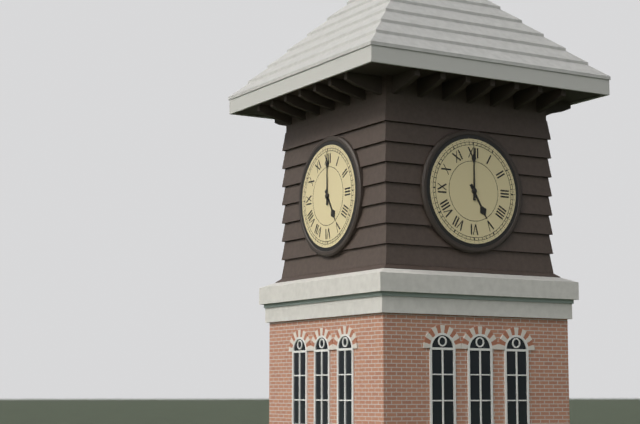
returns 5.00
